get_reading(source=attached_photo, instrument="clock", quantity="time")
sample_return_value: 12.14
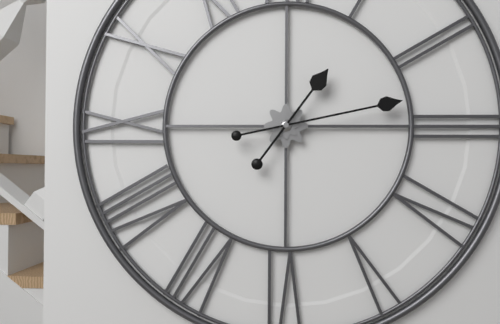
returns 1.13
